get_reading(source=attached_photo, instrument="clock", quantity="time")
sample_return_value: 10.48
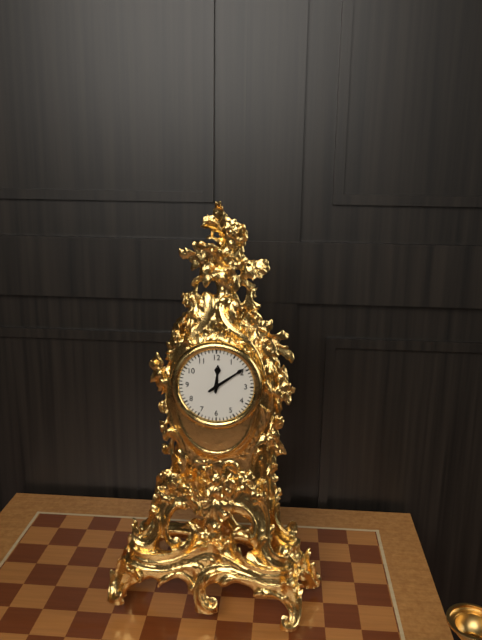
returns 12.09
